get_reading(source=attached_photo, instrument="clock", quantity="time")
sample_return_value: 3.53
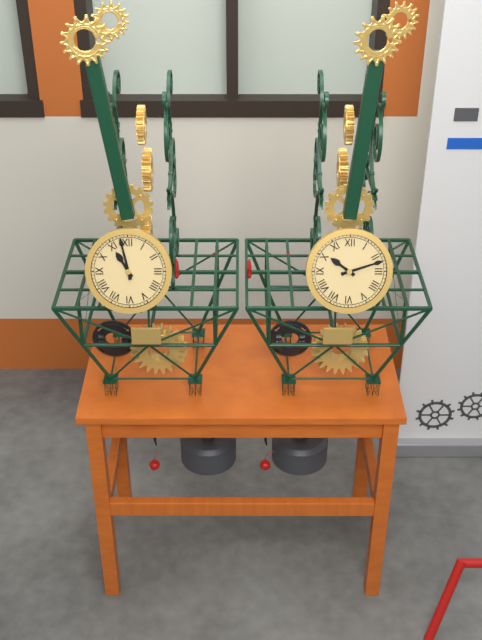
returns 10.58
